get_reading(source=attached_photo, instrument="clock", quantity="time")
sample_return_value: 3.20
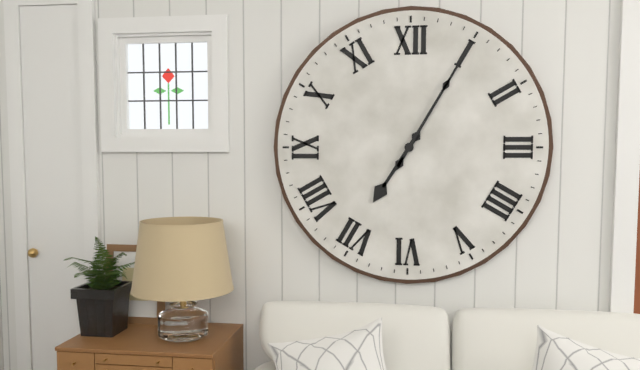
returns 7.05
